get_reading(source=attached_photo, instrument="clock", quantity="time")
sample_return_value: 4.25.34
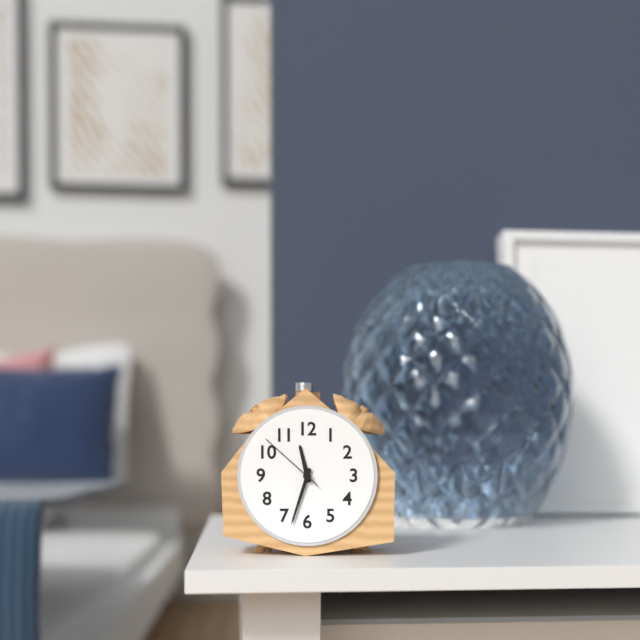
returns 11.33.52
